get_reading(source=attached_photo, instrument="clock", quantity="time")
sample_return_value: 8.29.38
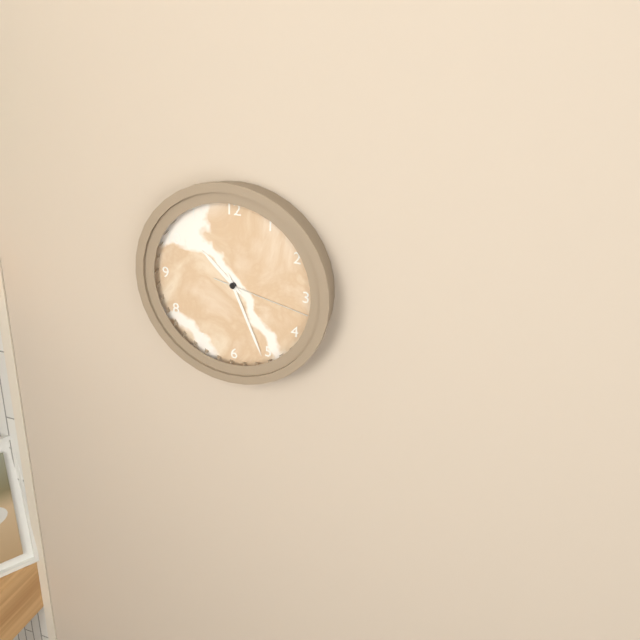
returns 10.26.17
